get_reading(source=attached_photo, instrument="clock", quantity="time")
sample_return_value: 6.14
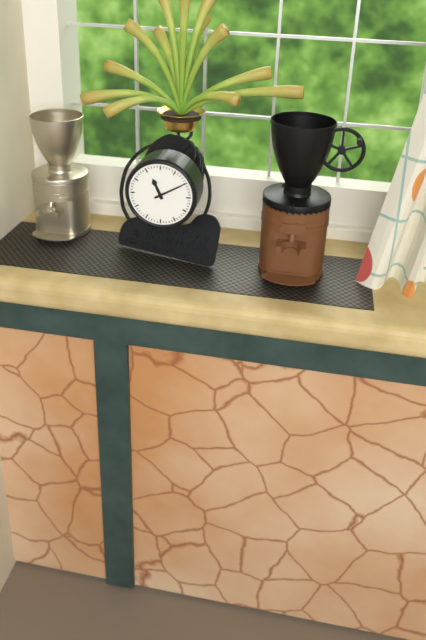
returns 11.10
